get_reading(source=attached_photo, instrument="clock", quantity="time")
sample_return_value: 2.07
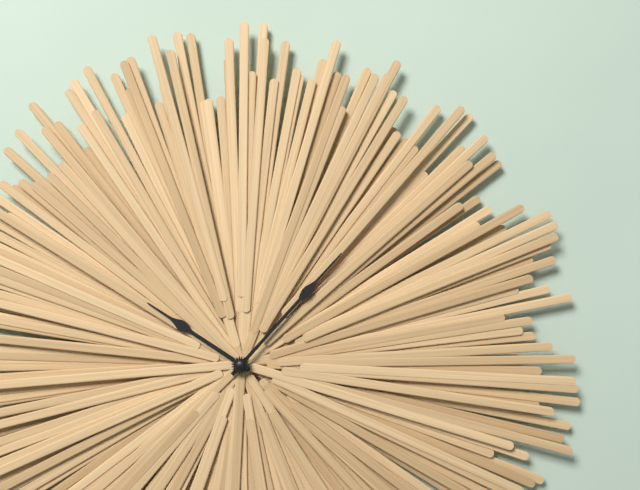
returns 10.07
